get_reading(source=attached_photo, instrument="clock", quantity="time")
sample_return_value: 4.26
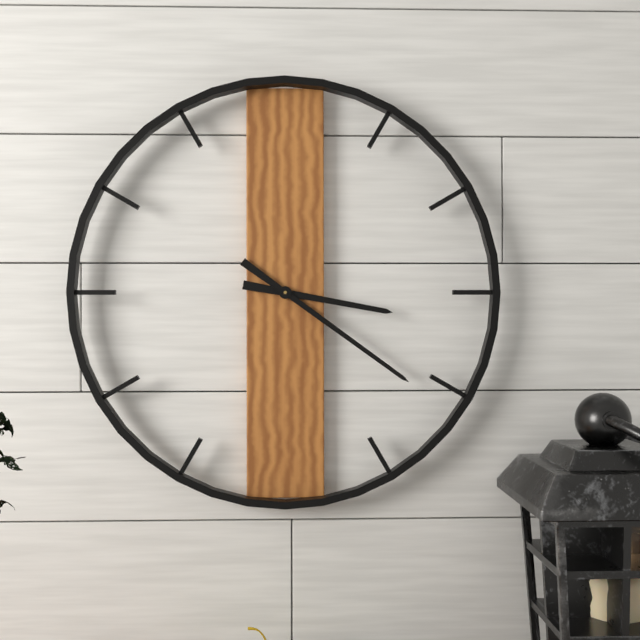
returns 3.21
